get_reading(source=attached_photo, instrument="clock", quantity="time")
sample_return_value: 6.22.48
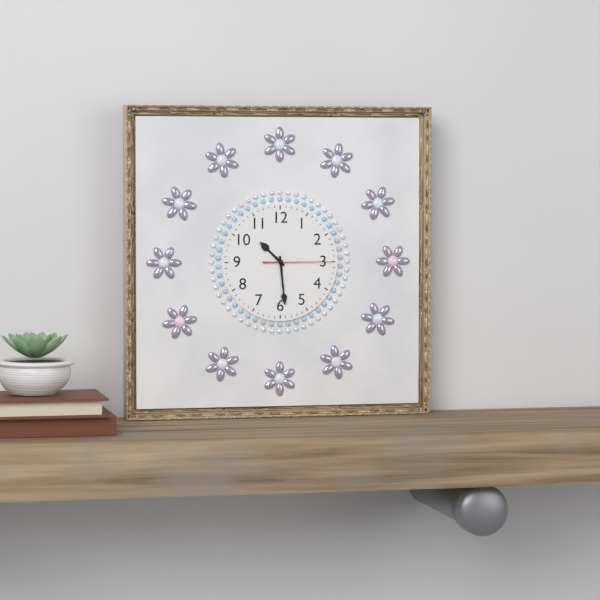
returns 10.29.15
